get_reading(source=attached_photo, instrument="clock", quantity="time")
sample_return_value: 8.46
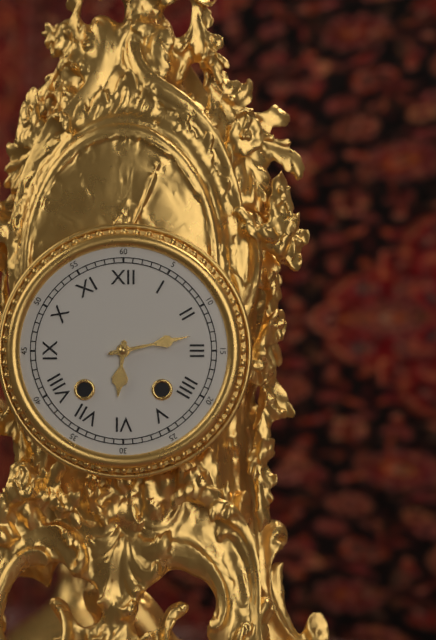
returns 6.13
